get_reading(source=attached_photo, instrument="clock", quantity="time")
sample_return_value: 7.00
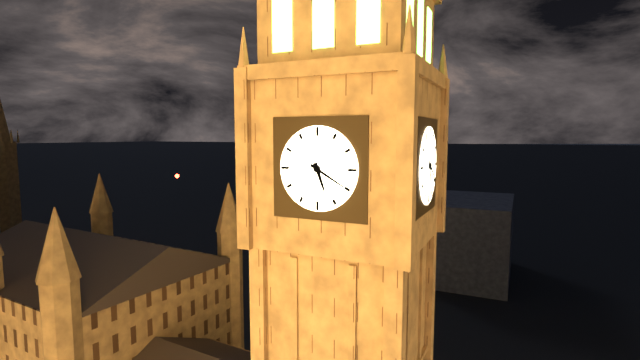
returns 5.20
